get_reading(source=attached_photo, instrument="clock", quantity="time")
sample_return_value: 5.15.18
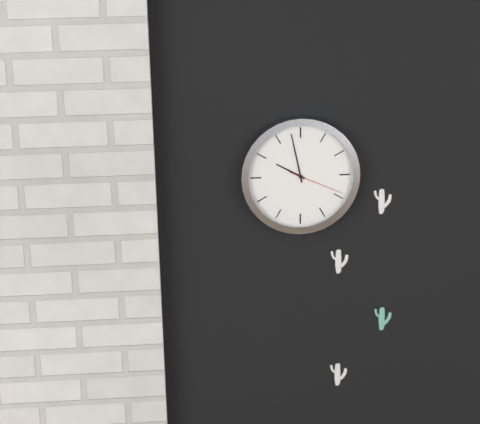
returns 9.58.19
